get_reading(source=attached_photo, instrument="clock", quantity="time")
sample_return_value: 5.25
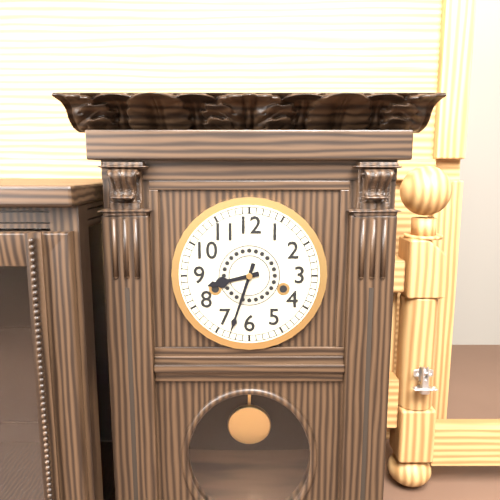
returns 8.33
